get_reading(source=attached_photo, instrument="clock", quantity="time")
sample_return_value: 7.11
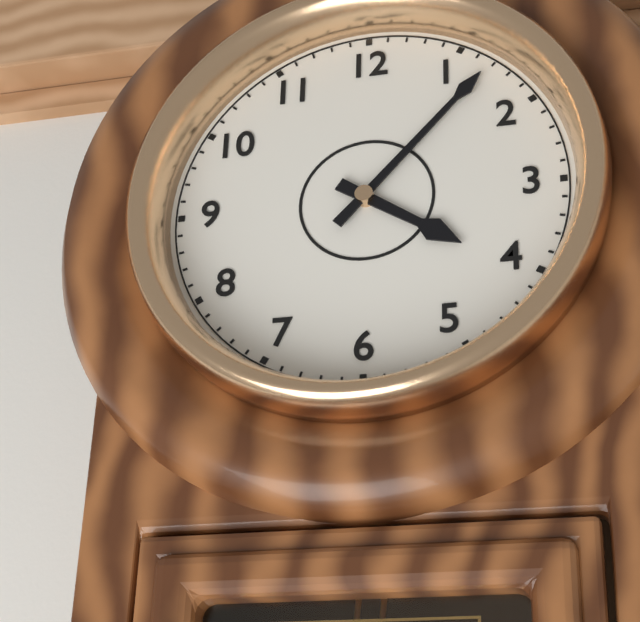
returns 4.07
